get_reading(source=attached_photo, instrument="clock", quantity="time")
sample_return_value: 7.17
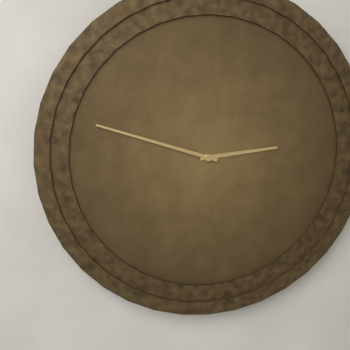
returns 2.48
